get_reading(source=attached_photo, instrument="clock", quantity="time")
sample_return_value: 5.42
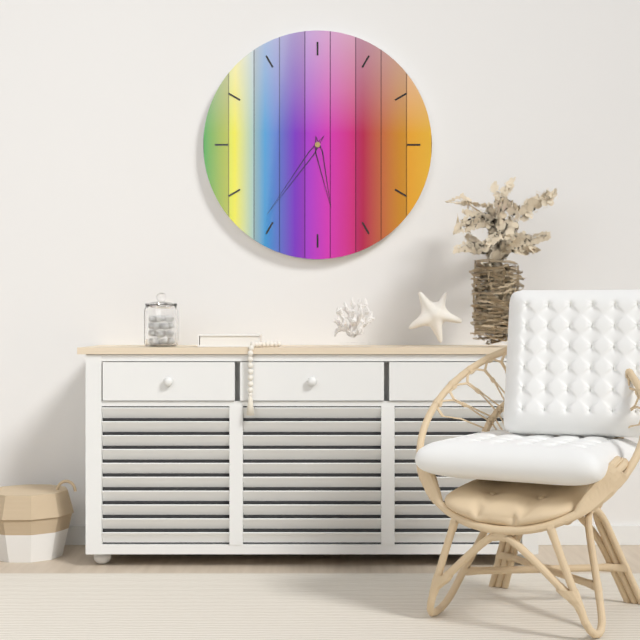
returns 5.36
